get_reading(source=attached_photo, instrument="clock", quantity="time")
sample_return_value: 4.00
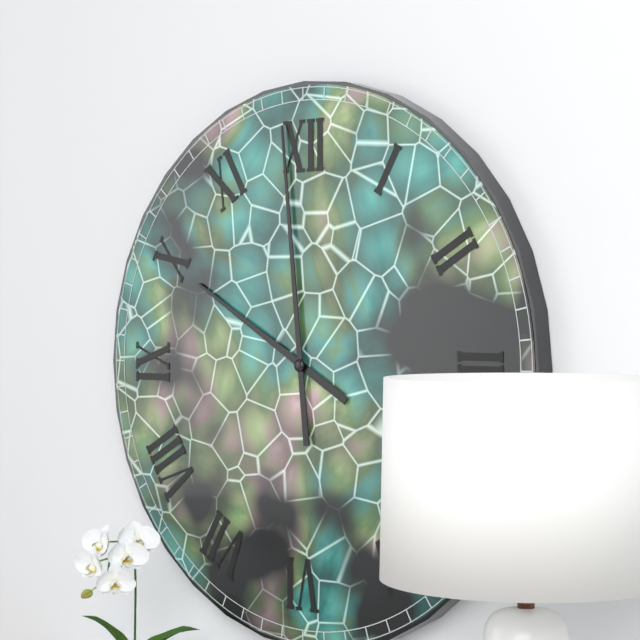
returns 9.59
